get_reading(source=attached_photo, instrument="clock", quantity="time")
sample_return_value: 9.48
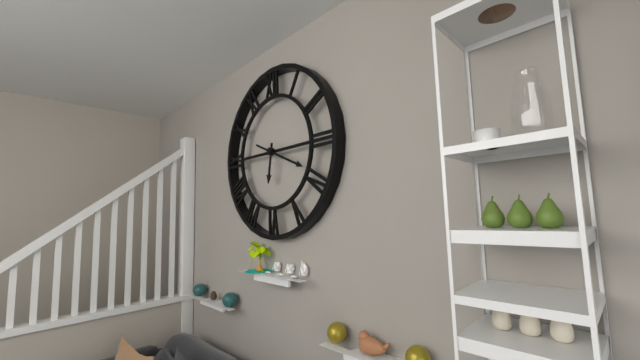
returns 6.19
